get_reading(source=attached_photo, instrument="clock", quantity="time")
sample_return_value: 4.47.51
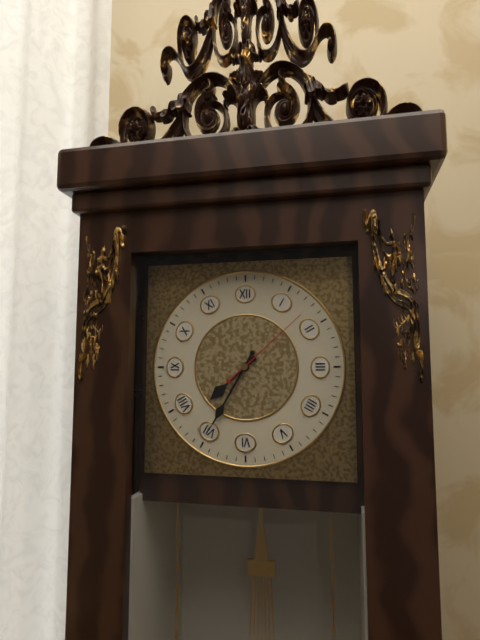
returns 7.35.08
